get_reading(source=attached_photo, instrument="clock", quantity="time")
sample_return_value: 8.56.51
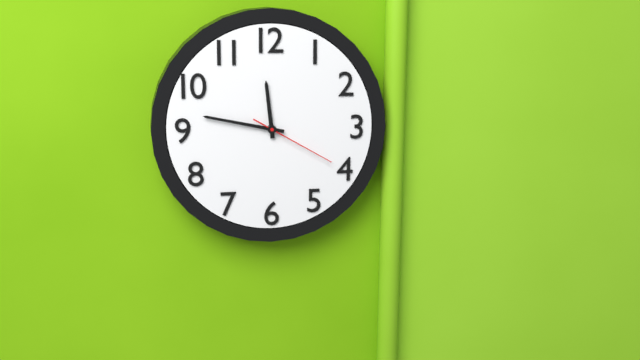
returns 11.47.20
